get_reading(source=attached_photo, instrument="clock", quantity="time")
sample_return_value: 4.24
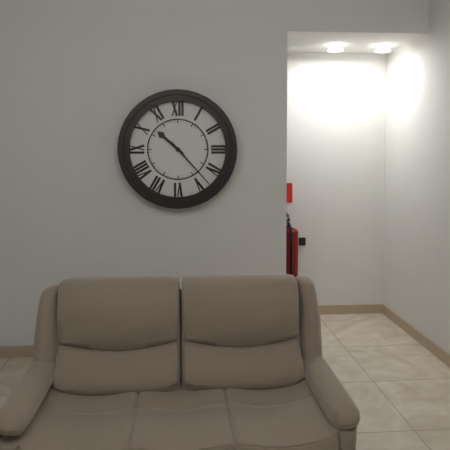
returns 10.23
